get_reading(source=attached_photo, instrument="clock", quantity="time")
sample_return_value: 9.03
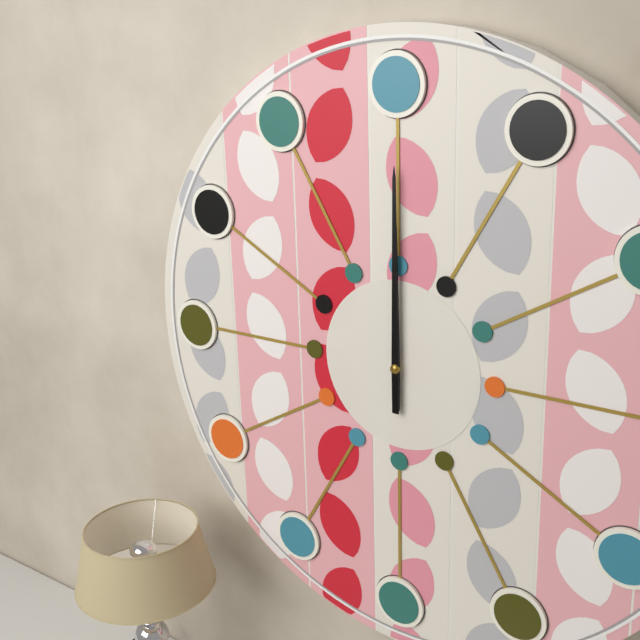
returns 12.00
